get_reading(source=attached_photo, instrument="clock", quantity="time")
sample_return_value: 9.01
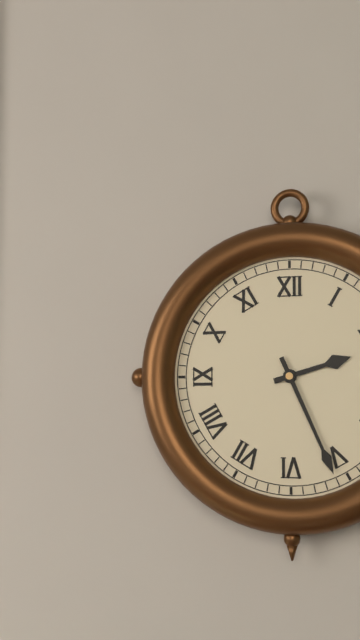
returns 2.26
